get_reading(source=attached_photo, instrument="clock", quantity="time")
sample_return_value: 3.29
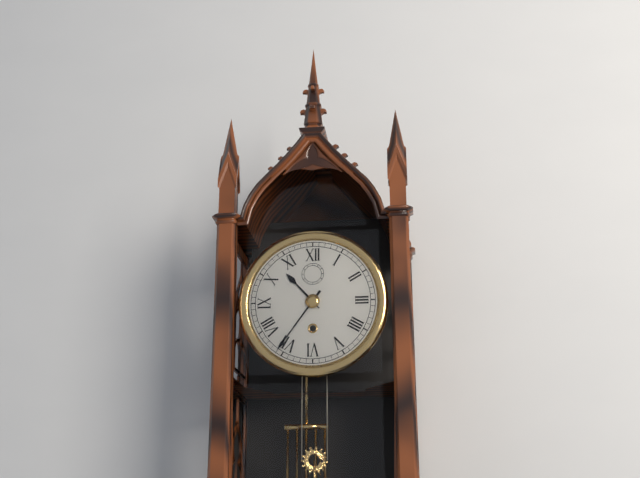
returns 10.36
